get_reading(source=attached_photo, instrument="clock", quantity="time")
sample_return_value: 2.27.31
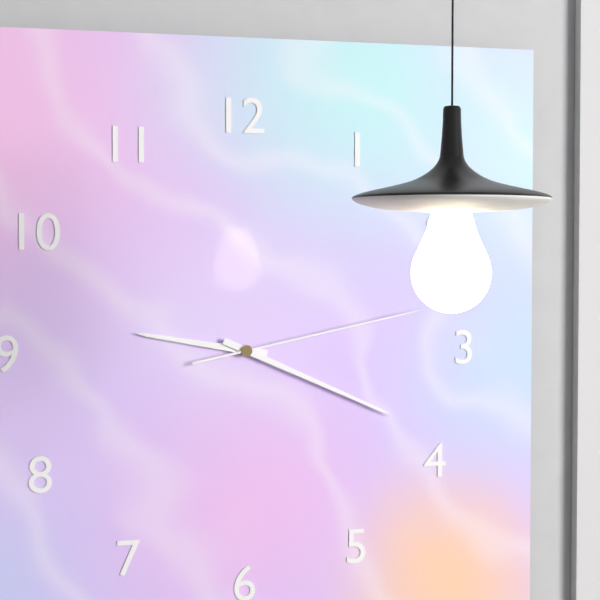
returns 9.19.13
